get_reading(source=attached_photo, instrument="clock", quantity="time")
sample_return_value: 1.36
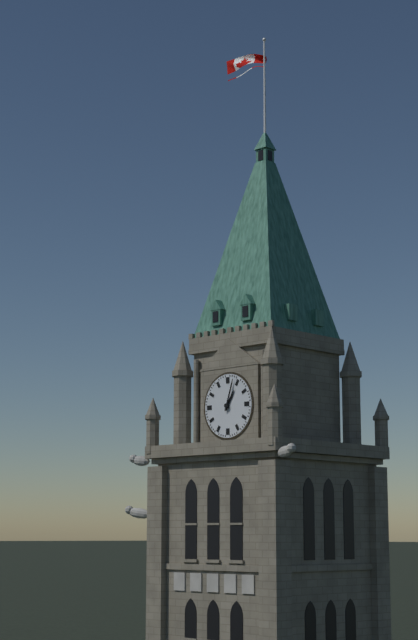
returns 1.03
